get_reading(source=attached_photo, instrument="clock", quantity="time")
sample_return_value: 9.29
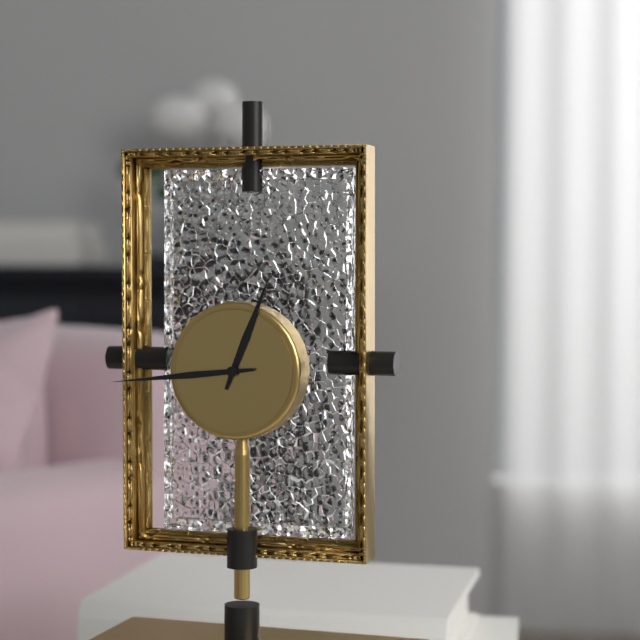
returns 12.44
